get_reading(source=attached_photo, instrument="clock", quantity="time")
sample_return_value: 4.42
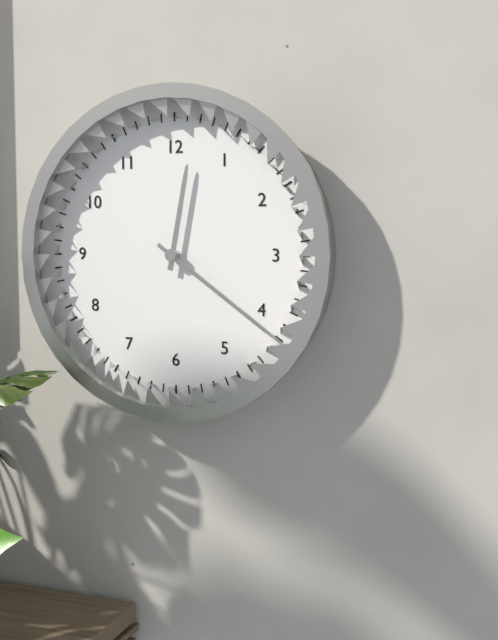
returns 12.21
